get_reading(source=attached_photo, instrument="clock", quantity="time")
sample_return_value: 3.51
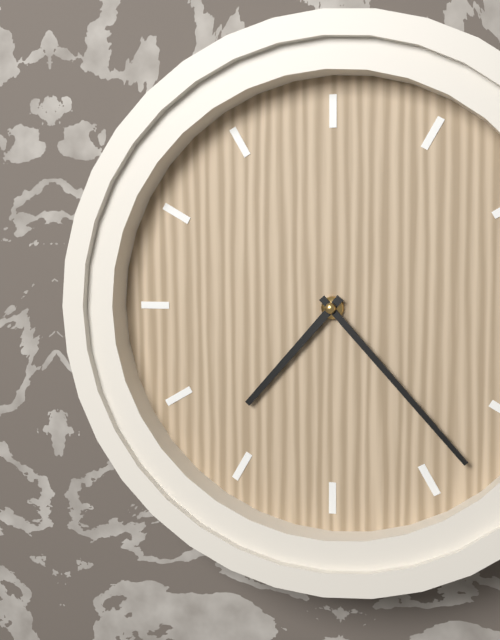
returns 7.23
